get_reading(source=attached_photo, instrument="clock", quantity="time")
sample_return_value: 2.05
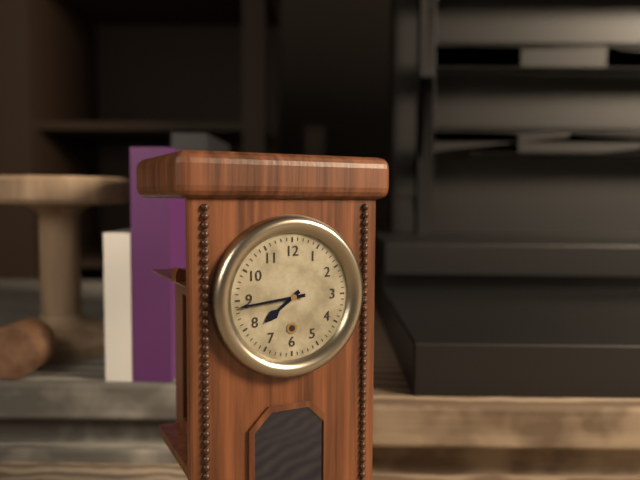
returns 7.44
